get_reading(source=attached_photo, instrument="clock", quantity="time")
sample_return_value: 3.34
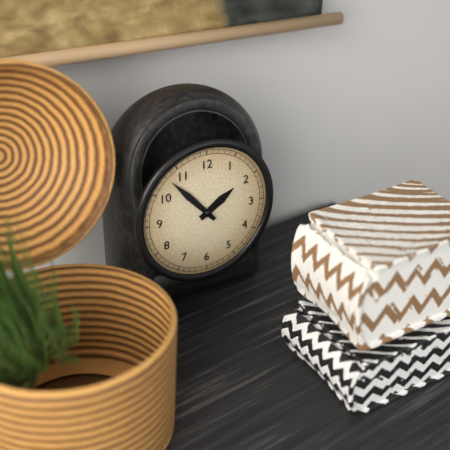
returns 1.53
